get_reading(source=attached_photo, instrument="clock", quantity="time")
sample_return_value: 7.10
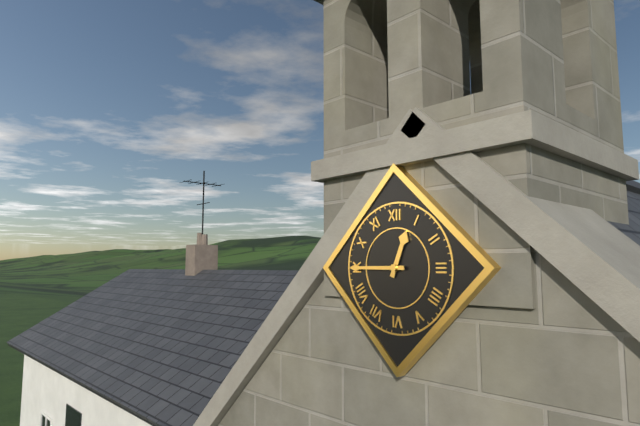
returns 12.45
